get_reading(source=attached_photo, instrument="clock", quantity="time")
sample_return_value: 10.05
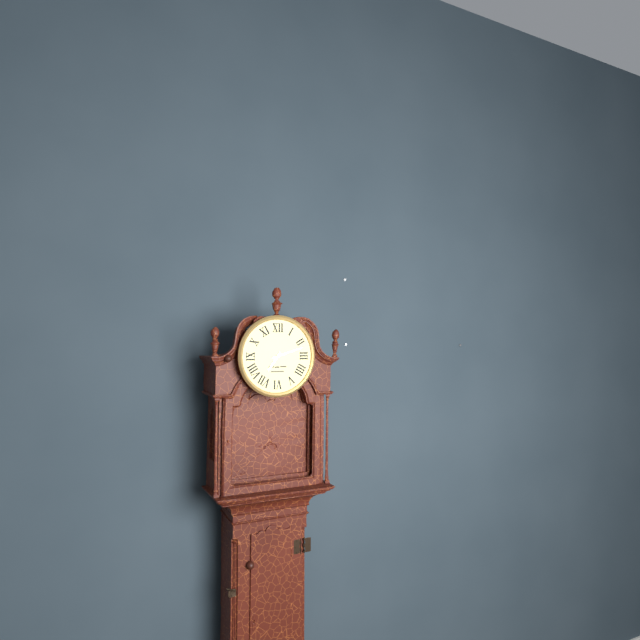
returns 7.12
